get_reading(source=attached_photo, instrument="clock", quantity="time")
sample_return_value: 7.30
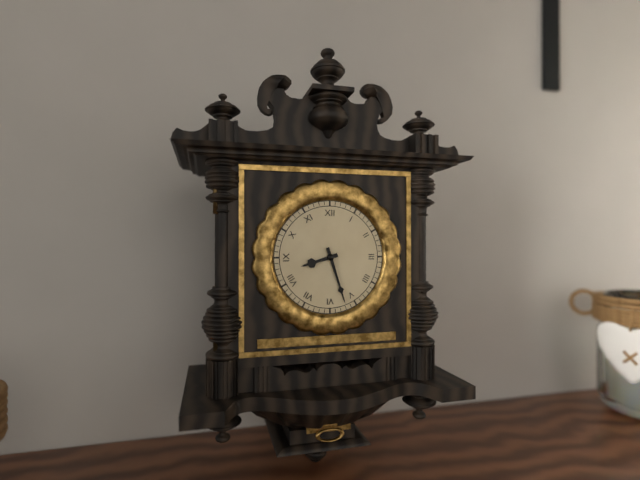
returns 8.27
